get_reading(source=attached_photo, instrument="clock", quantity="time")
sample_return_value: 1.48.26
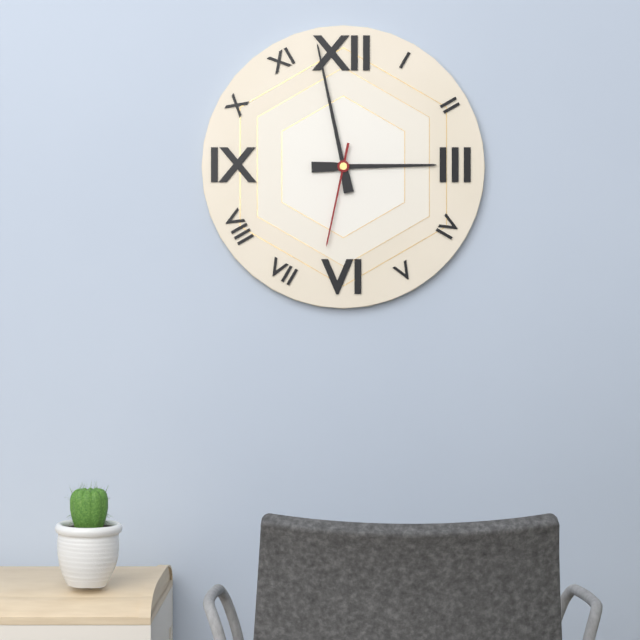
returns 2.58.32
